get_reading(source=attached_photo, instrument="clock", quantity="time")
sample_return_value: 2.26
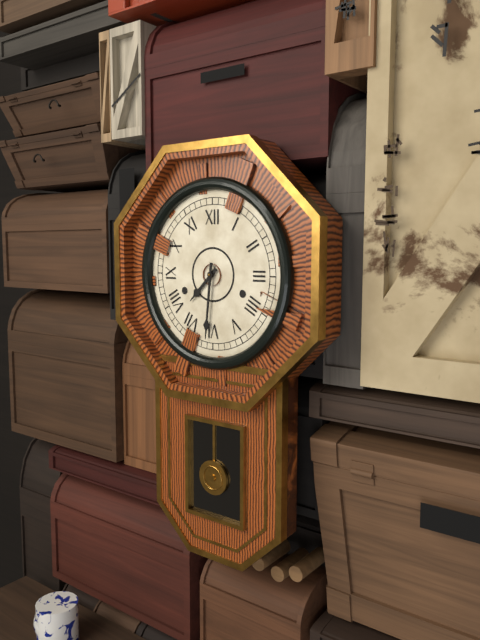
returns 7.31
